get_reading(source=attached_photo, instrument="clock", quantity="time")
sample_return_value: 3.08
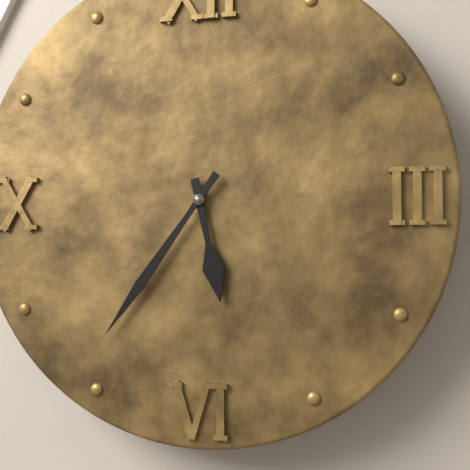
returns 5.36
